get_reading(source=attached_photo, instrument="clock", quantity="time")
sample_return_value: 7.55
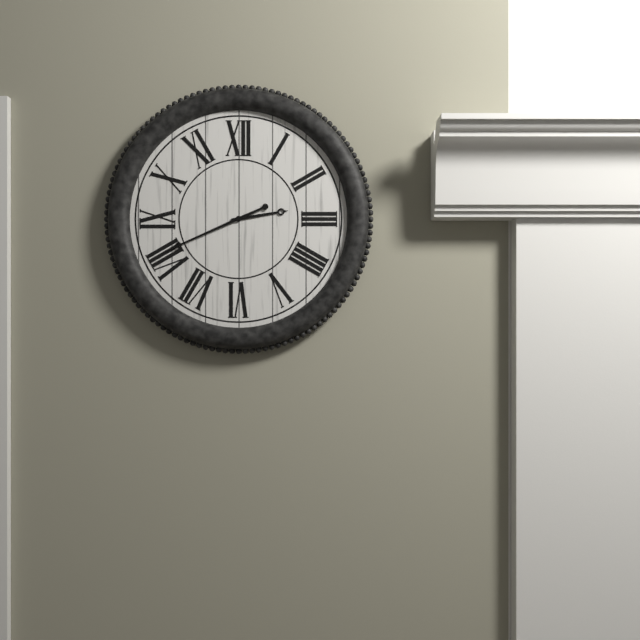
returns 2.41
